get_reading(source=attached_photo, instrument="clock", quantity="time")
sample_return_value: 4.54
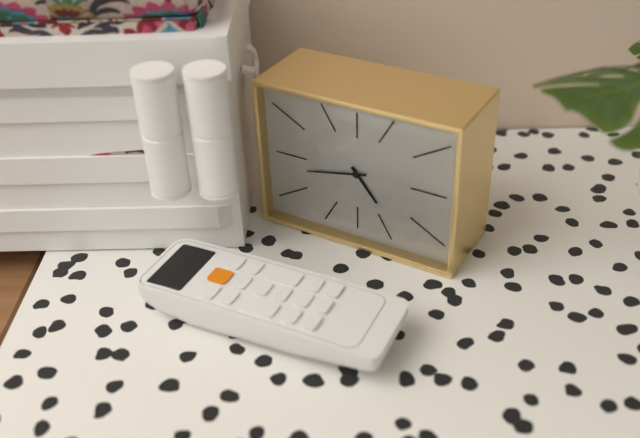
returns 4.43
